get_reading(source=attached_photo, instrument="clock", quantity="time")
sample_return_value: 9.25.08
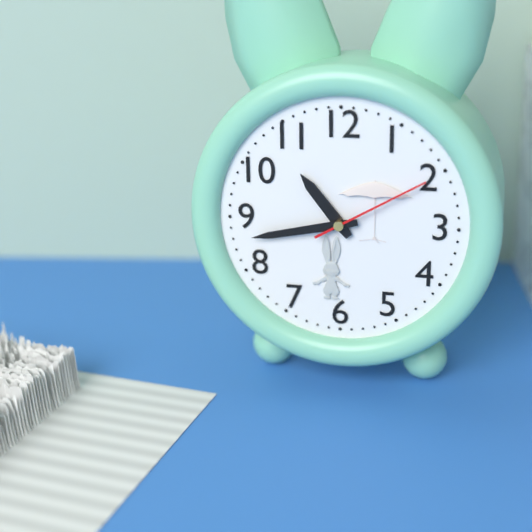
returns 10.43.10
